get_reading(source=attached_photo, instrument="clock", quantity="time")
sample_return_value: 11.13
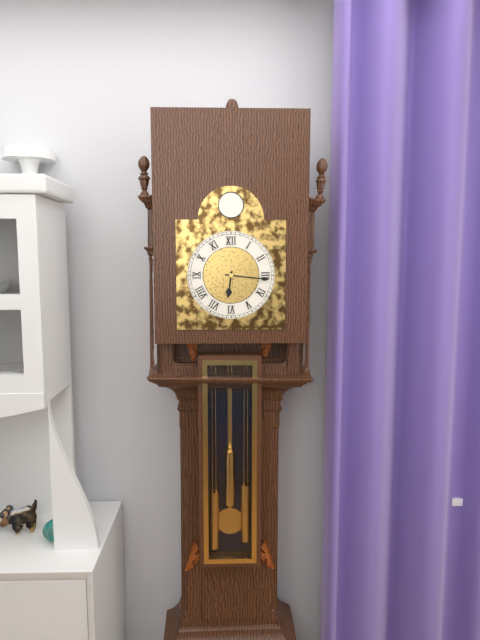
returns 6.16
